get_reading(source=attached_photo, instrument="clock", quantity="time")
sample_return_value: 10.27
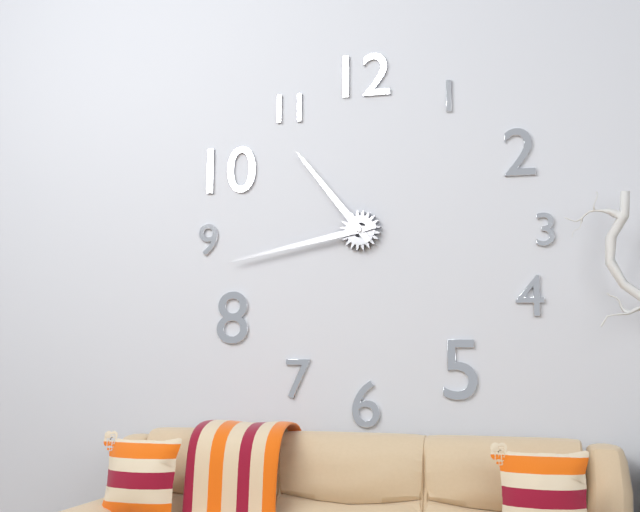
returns 10.43
